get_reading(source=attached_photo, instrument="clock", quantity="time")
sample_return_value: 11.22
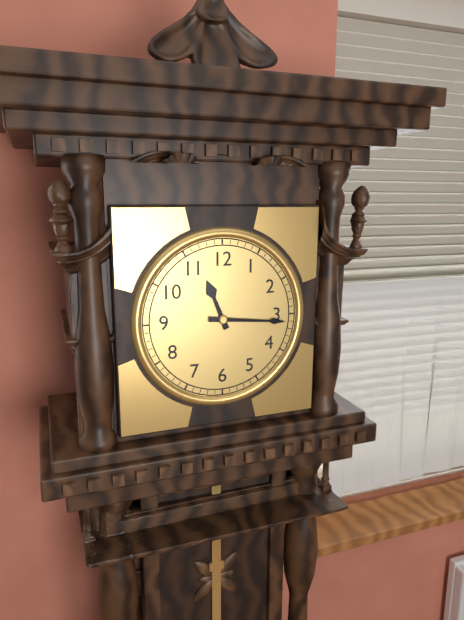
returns 11.16
